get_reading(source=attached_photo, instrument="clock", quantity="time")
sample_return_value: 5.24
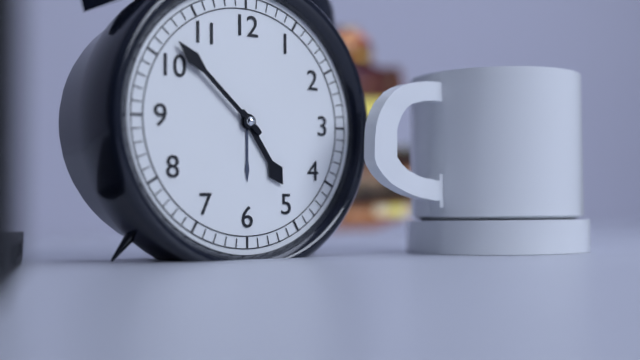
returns 4.52
